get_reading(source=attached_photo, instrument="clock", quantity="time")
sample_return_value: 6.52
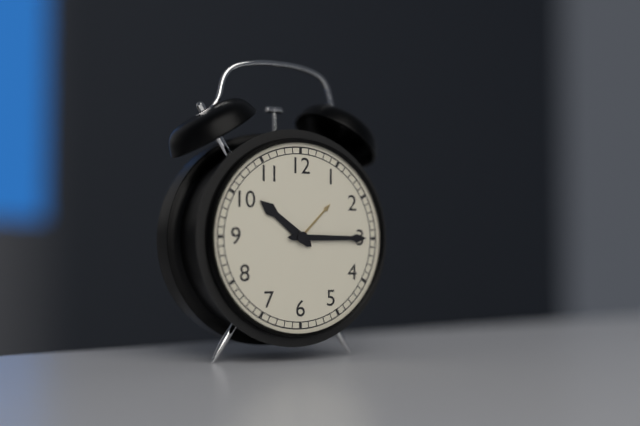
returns 10.15
